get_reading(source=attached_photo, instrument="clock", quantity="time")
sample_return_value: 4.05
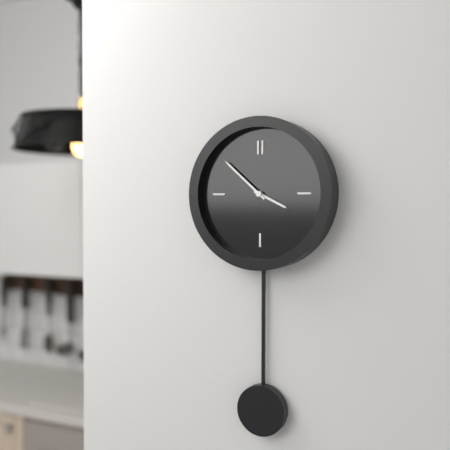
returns 3.52
